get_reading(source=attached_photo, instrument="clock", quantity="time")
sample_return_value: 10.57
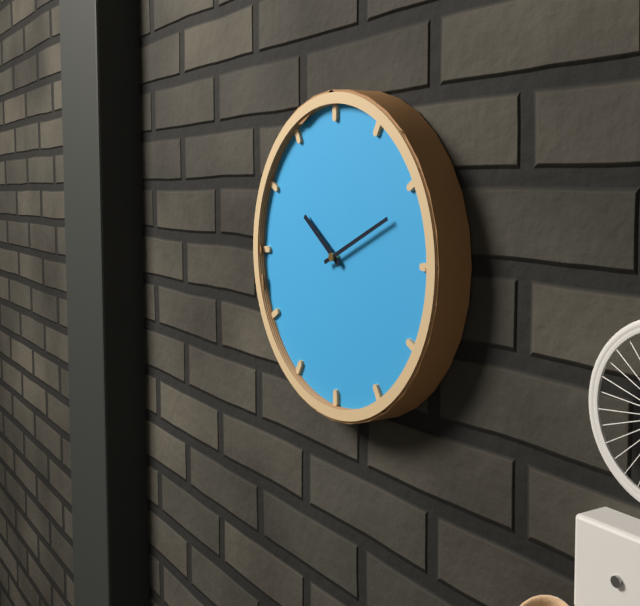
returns 10.11
